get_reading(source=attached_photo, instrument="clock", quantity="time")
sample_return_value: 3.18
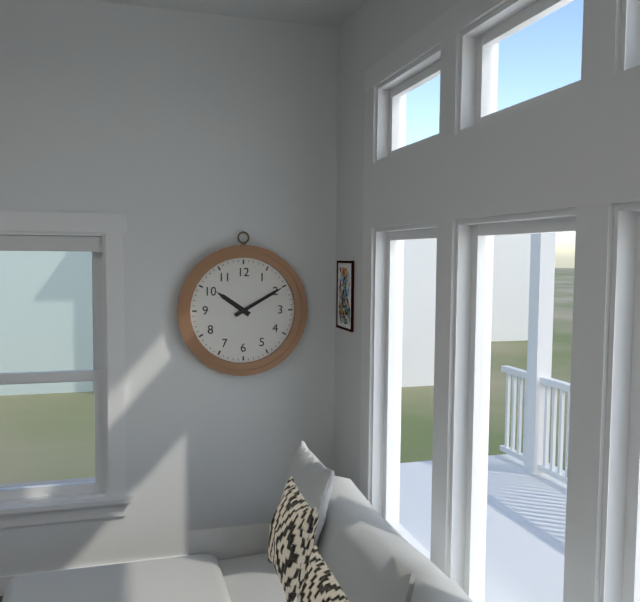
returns 10.10
